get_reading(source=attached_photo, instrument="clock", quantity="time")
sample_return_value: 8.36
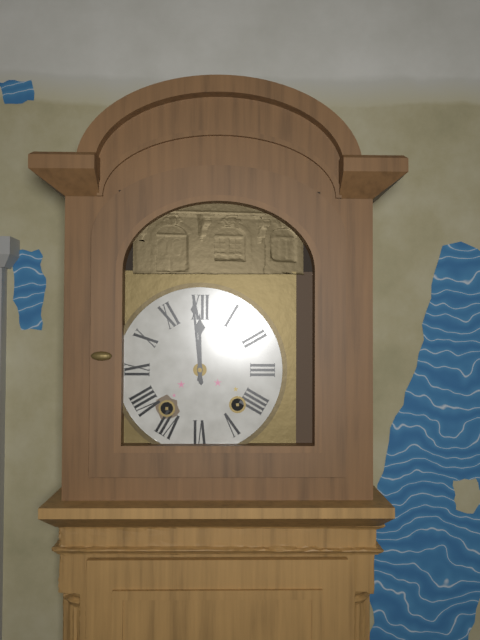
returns 11.59
